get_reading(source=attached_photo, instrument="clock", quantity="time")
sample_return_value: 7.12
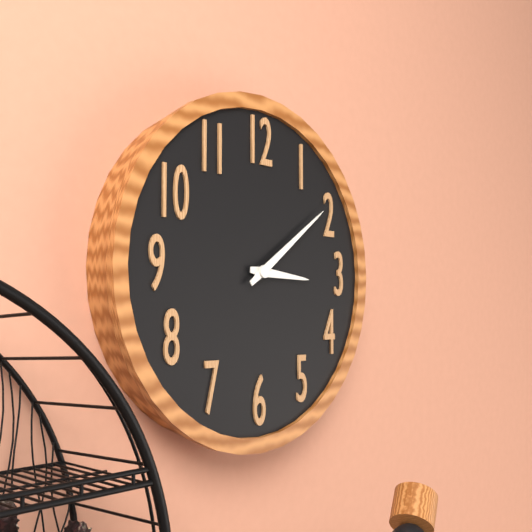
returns 3.09
